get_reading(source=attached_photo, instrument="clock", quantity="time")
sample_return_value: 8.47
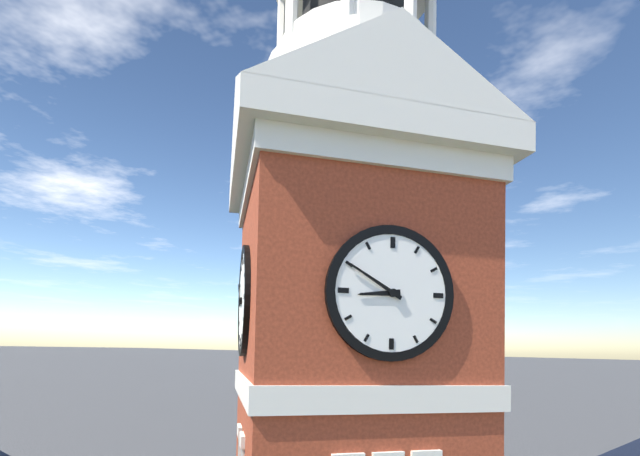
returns 8.50
